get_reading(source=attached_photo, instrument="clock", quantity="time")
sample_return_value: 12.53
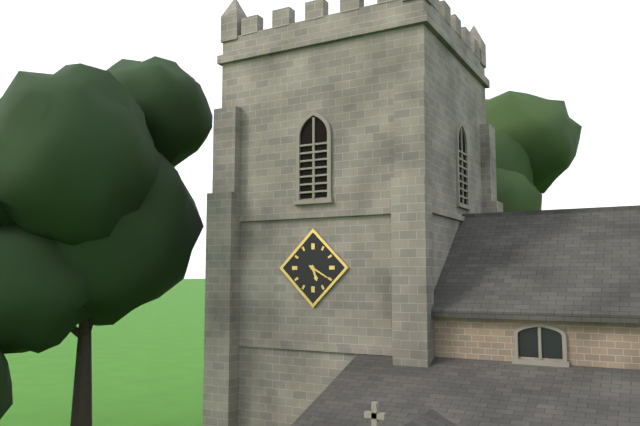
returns 5.20
